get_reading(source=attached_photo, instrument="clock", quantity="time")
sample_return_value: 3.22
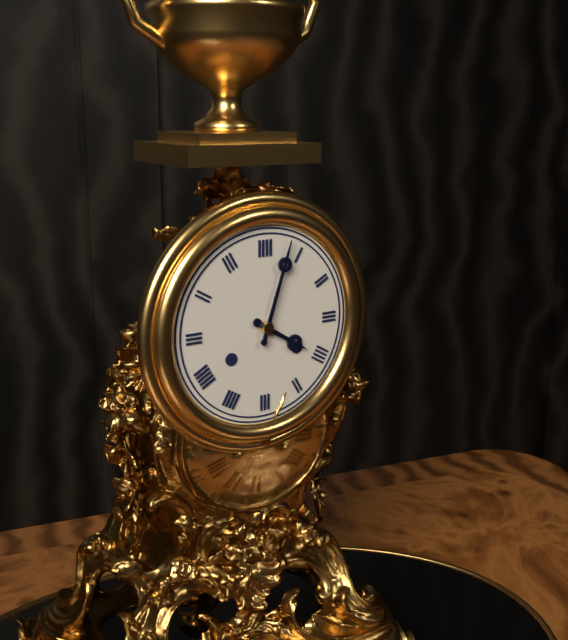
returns 4.03
